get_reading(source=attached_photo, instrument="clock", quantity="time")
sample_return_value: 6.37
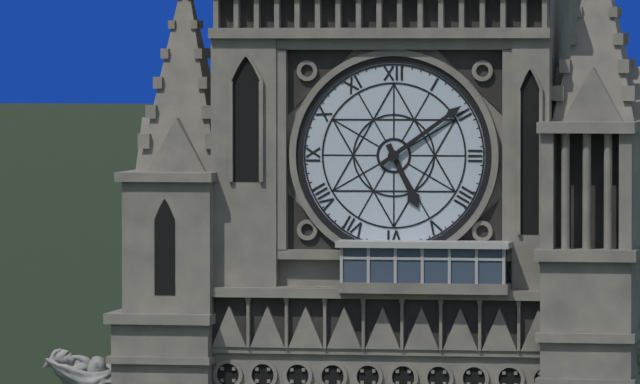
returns 5.09
